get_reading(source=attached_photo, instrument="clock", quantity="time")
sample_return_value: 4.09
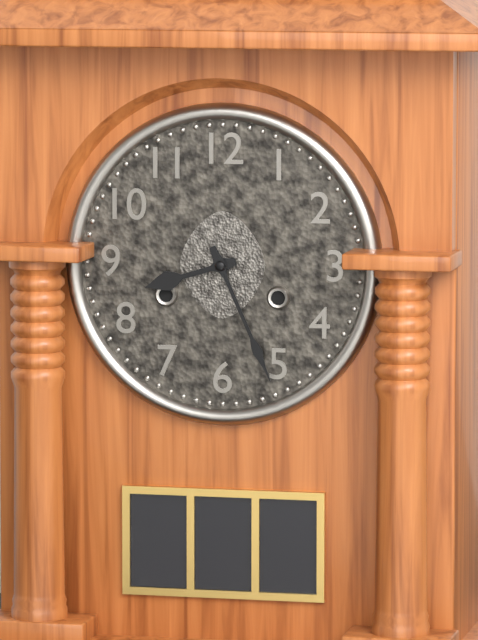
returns 8.26
